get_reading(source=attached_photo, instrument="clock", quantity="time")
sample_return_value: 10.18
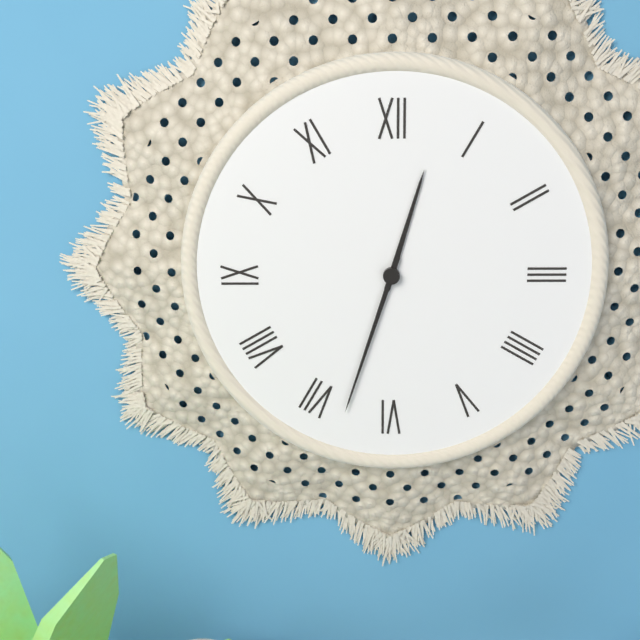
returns 12.33
